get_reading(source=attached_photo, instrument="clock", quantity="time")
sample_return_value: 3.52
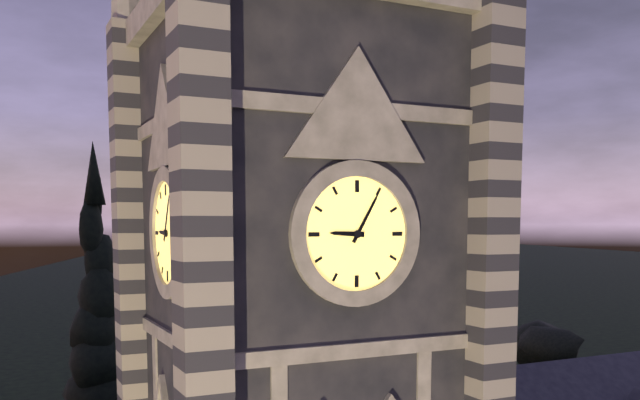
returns 9.05
